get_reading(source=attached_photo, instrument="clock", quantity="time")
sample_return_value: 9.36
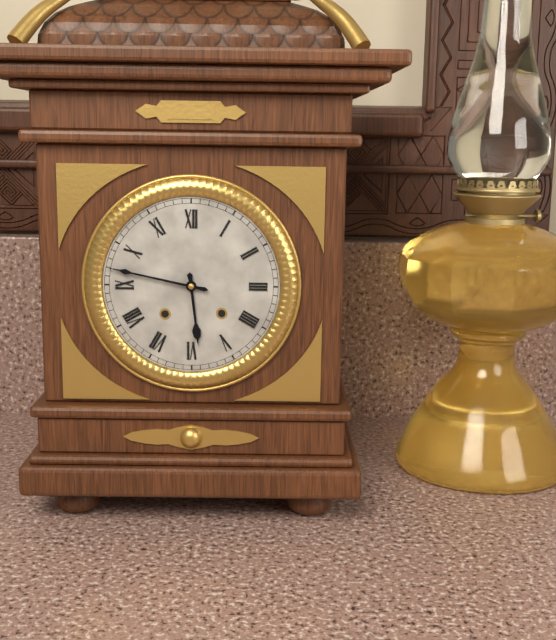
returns 5.47
